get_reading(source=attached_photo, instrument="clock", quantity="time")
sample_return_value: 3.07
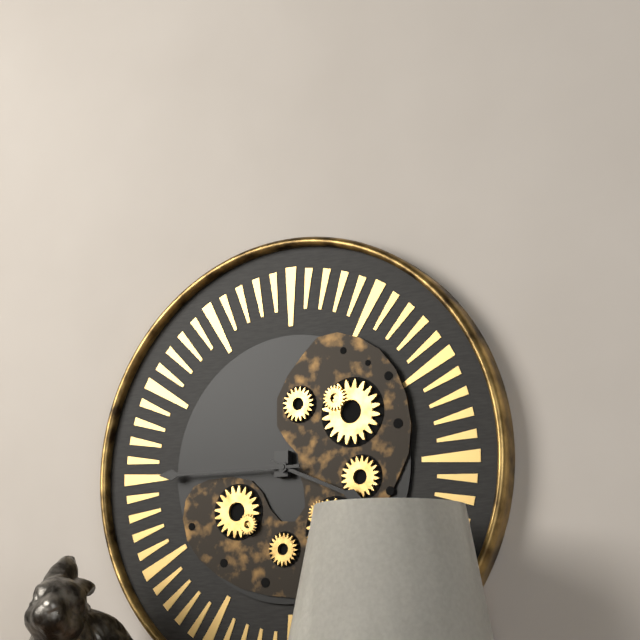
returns 3.45
